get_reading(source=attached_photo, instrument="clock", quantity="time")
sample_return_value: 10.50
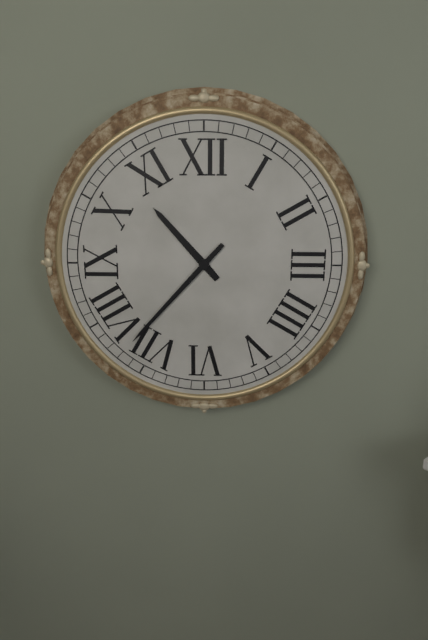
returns 10.37
